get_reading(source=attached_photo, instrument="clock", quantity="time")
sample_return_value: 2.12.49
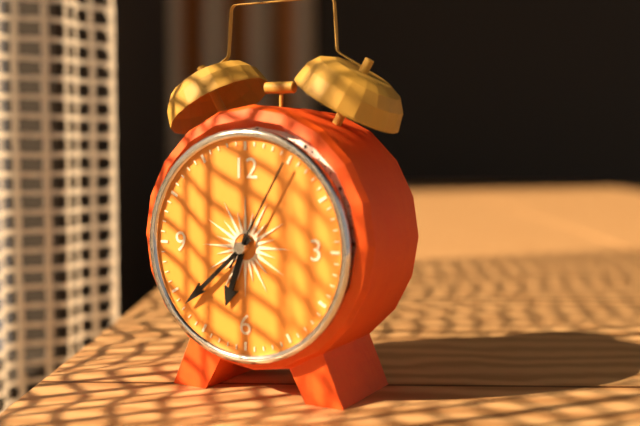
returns 6.38.05
